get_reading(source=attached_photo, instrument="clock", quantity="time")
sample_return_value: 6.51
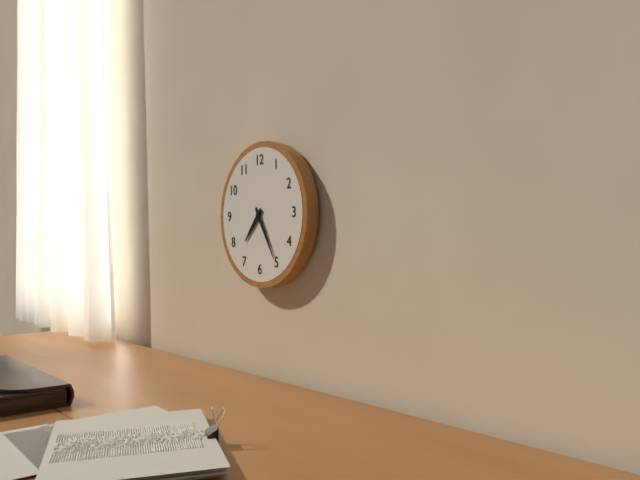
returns 7.25
